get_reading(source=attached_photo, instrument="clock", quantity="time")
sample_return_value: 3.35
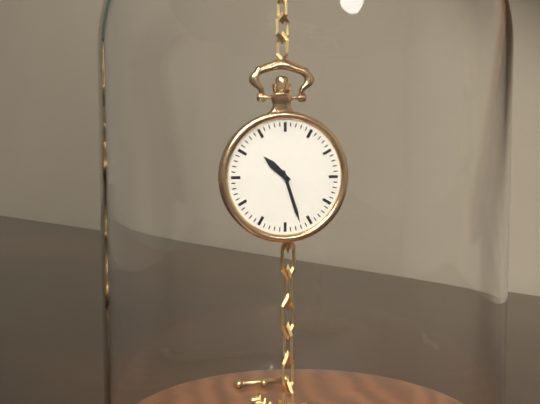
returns 10.27
